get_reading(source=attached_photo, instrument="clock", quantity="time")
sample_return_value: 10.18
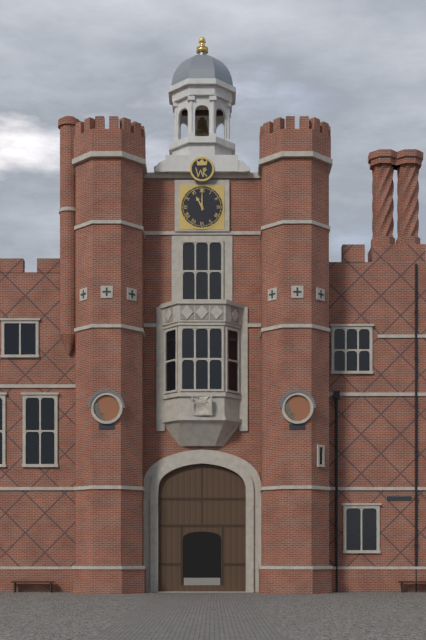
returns 11.00
